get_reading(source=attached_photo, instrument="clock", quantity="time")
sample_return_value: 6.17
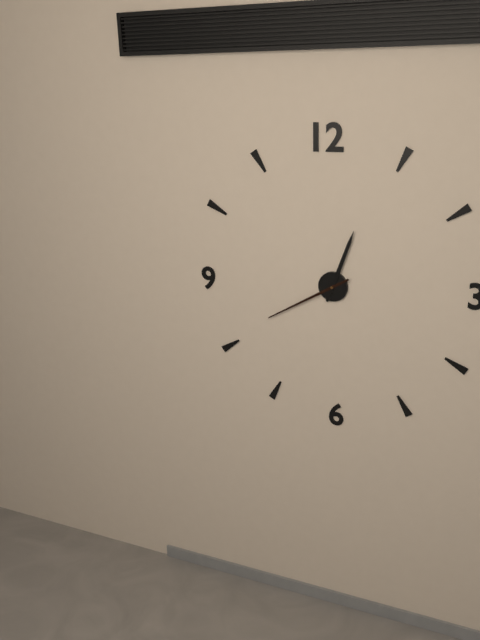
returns 12.40
